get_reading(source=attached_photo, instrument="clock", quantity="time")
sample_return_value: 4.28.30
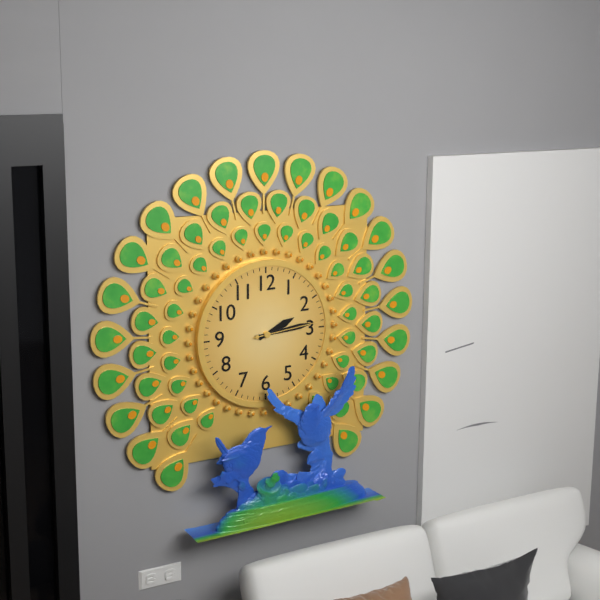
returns 2.14.14
